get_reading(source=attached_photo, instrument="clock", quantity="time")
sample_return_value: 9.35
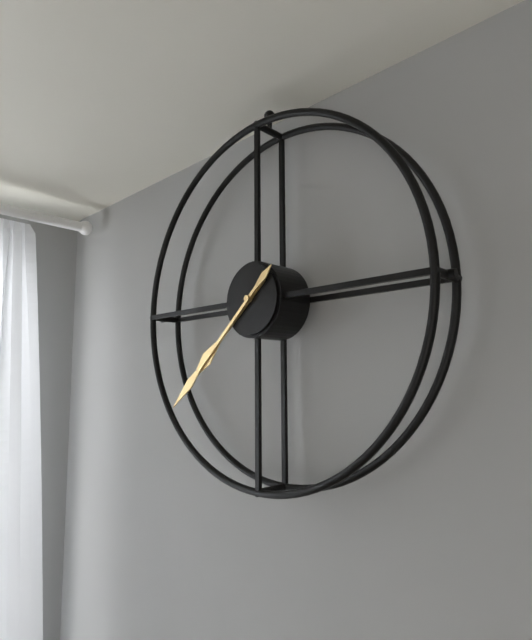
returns 7.38
